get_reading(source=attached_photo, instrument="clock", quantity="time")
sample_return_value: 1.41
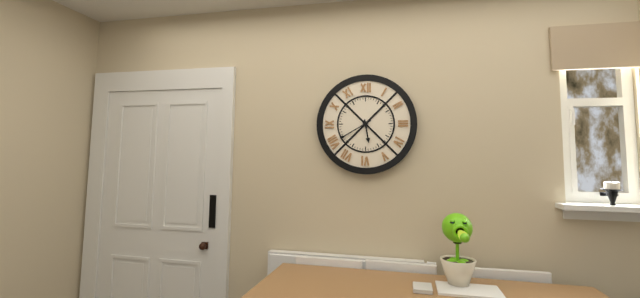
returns 5.40
